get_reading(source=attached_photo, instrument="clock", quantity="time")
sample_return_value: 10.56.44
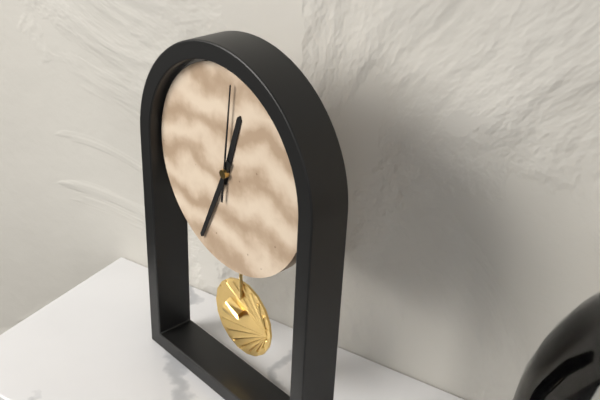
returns 12.34.01
